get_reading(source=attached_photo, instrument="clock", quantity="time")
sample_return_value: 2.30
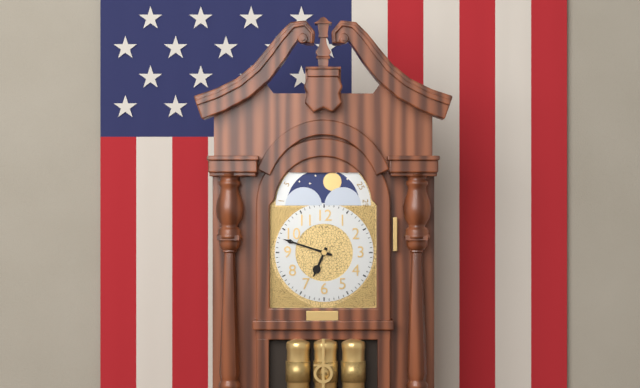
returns 6.48
